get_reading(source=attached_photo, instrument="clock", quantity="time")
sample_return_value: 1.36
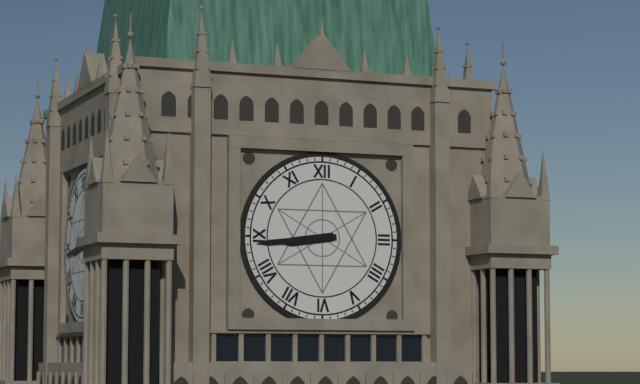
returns 8.44
